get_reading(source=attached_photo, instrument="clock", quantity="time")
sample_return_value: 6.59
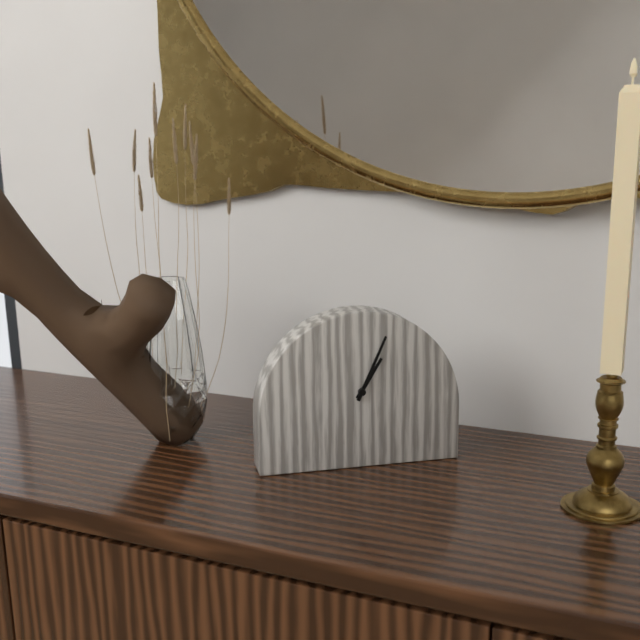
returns 1.04
